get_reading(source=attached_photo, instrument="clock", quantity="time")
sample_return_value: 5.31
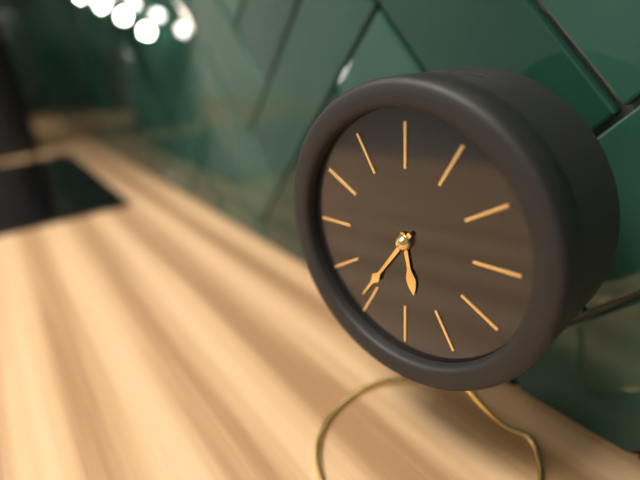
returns 5.36
